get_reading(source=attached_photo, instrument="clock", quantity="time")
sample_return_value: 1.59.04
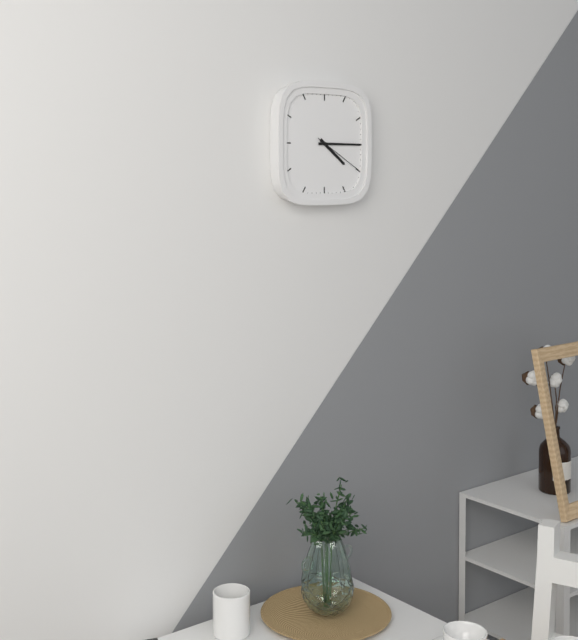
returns 4.15.20
